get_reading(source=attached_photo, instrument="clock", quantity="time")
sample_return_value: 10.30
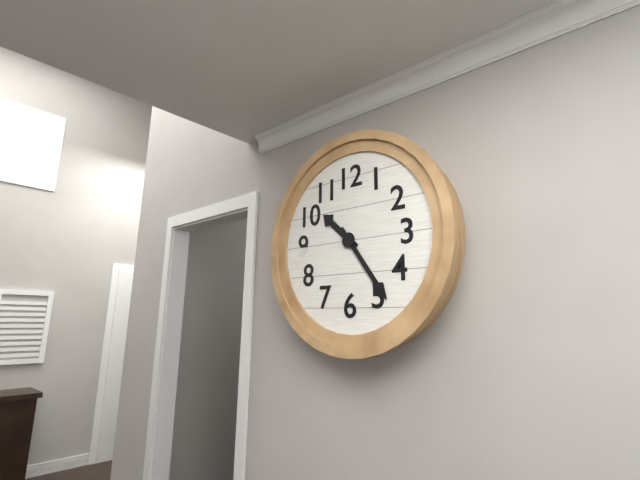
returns 10.24
